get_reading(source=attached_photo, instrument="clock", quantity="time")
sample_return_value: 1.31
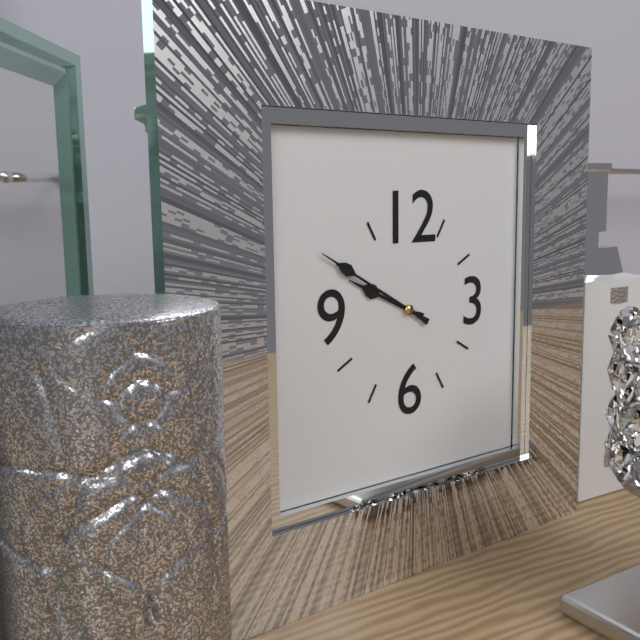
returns 9.50
